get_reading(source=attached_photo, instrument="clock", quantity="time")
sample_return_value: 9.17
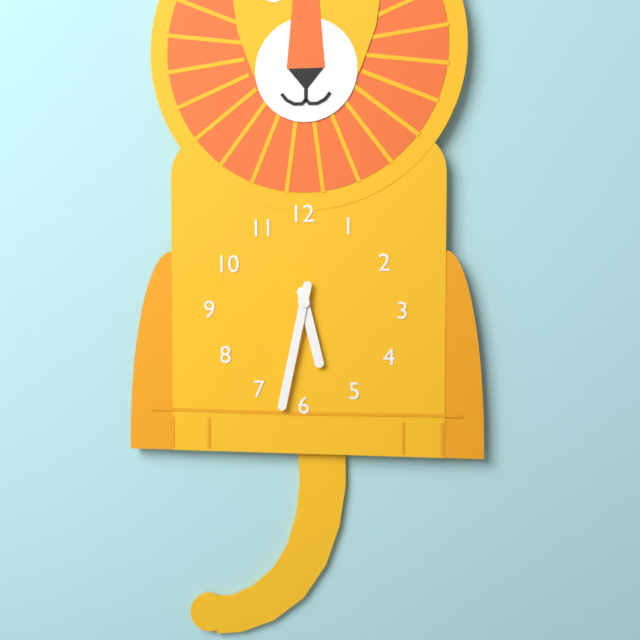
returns 5.32
